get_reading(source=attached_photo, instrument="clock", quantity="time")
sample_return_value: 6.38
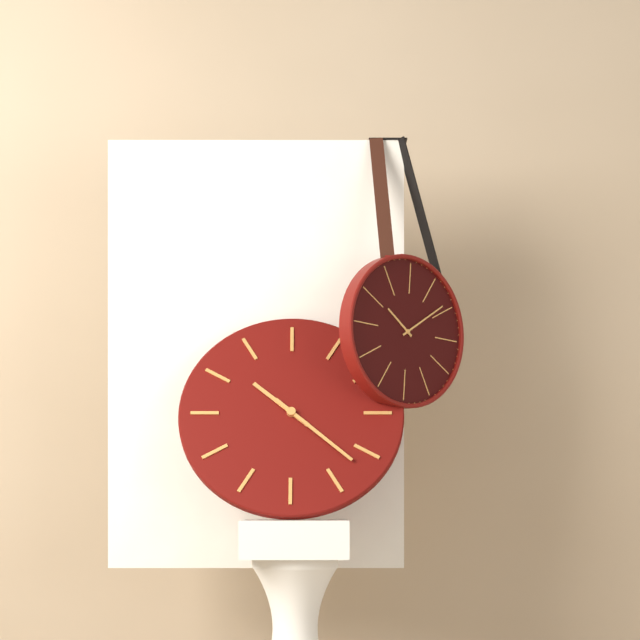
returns 10.22
